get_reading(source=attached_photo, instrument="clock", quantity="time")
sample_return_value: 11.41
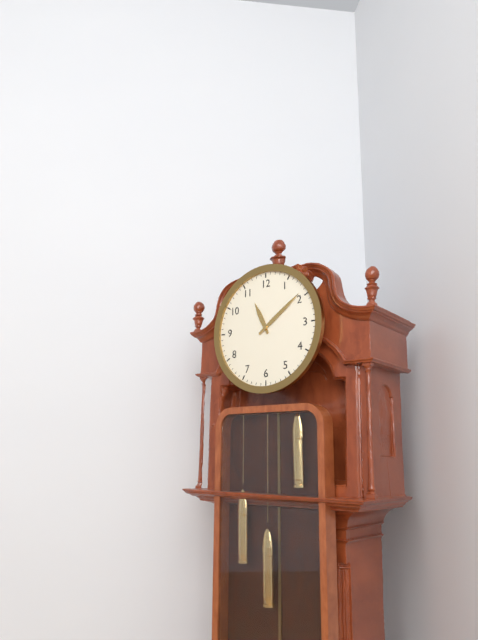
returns 11.09
